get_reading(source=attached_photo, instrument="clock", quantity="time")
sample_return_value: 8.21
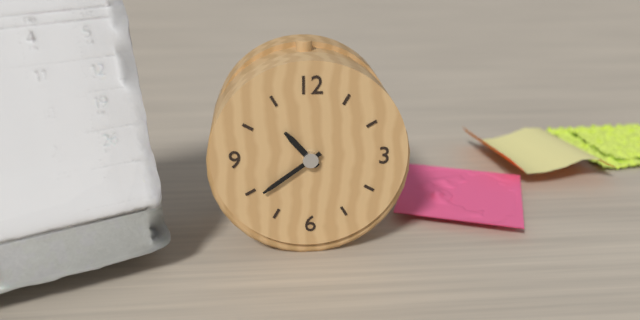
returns 10.39
